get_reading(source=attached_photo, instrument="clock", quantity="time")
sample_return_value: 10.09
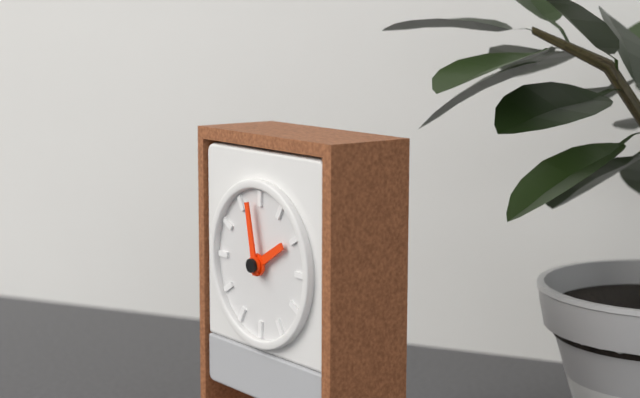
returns 1.58
